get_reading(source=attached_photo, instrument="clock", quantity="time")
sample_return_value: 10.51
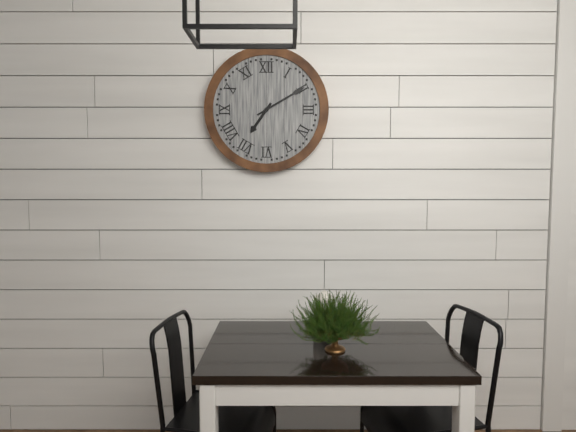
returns 7.10
